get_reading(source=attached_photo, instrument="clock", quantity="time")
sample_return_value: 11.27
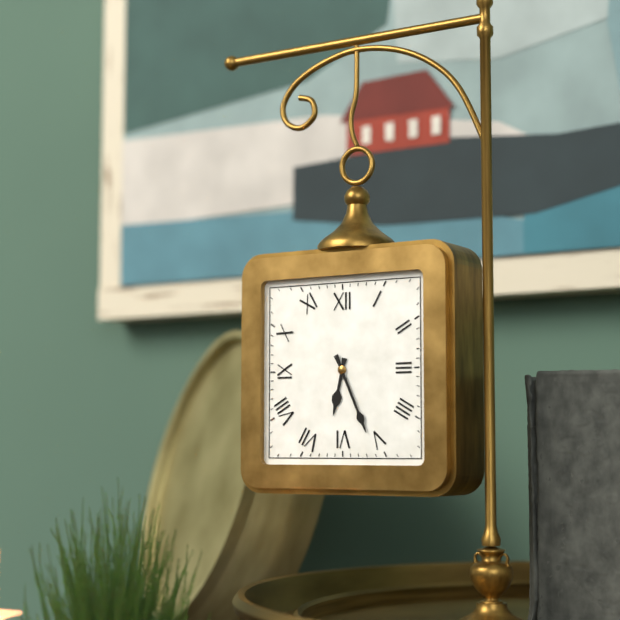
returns 6.26
